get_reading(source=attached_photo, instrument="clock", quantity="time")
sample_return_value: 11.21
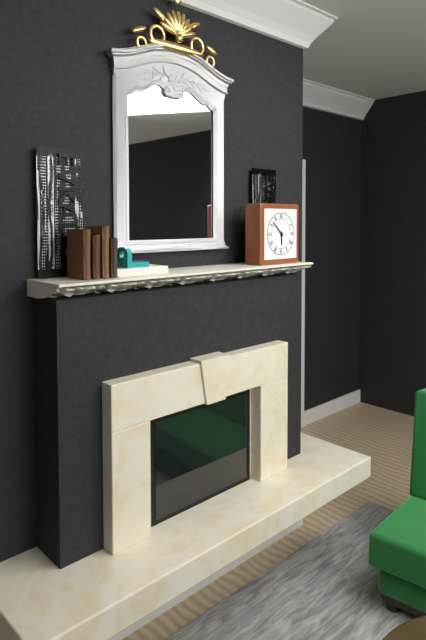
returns 5.52
